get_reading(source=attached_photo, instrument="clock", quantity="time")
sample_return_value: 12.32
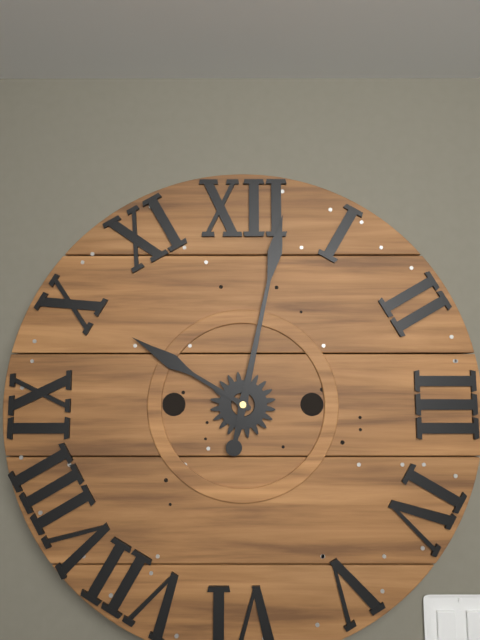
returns 10.02
